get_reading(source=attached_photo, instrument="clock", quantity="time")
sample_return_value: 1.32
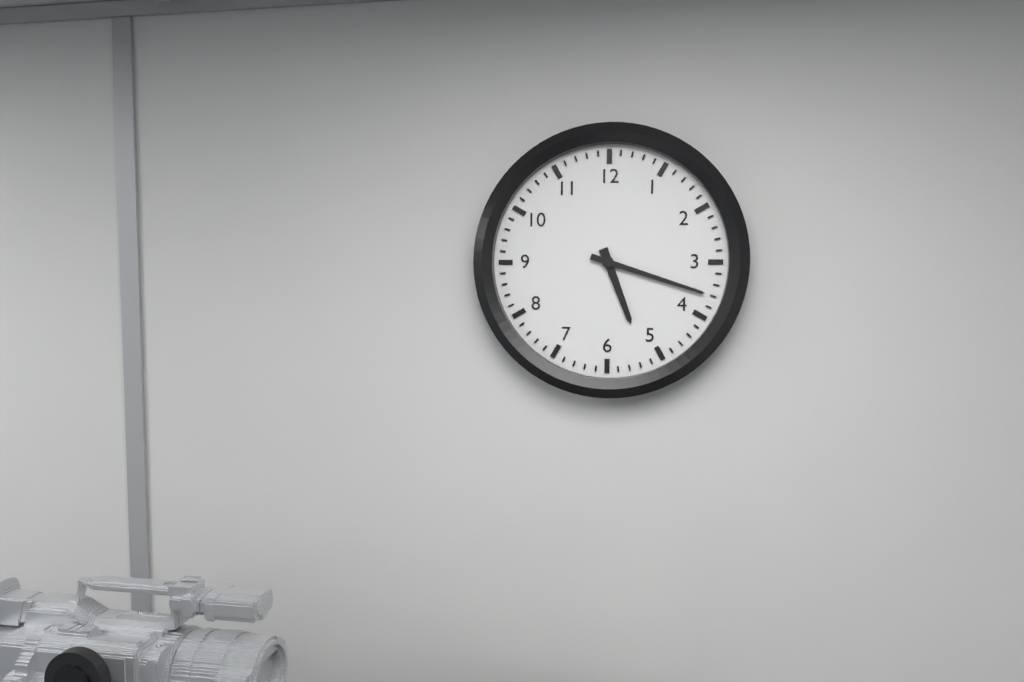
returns 5.18
